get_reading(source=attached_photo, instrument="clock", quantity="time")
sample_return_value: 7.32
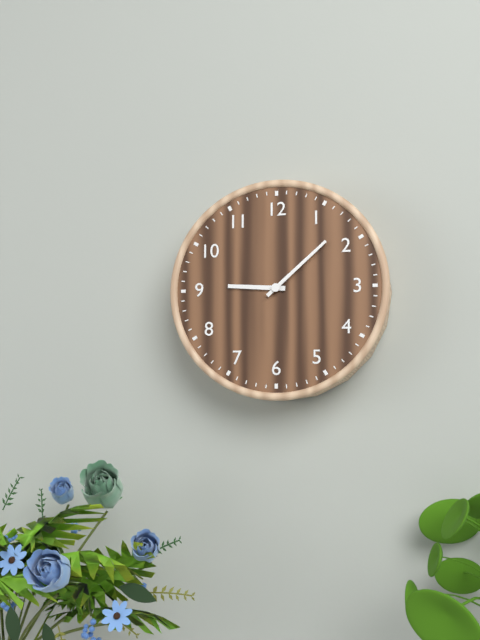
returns 9.08
